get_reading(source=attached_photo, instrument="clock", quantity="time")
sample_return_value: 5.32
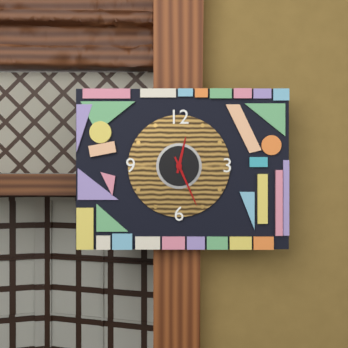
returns 12.26
